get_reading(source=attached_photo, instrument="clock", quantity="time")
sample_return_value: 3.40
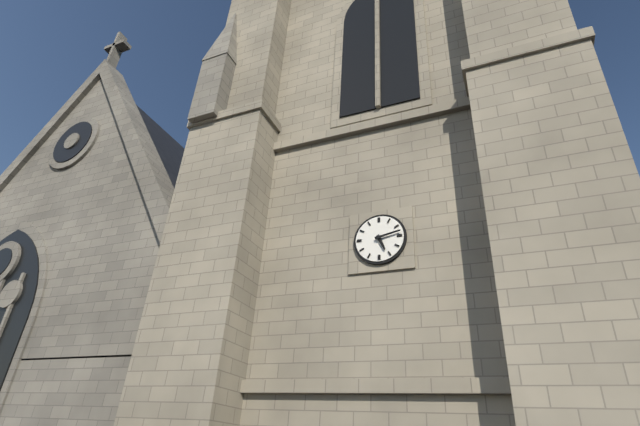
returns 5.13
